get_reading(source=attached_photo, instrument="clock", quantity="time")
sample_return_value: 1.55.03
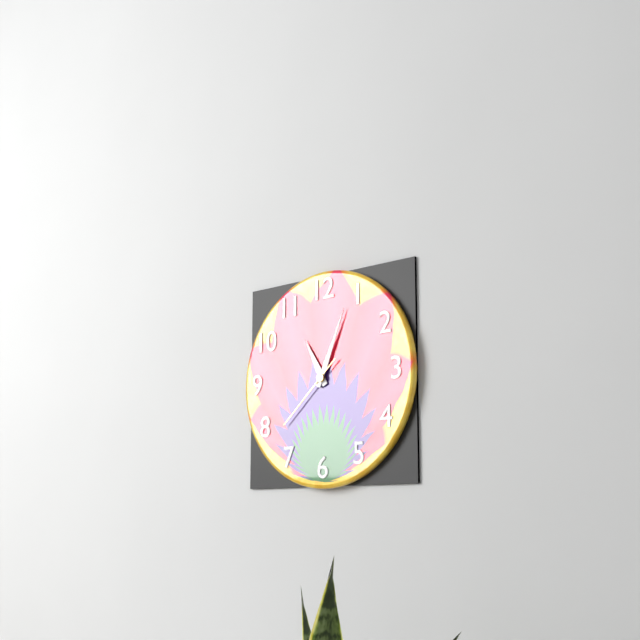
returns 11.04.38
